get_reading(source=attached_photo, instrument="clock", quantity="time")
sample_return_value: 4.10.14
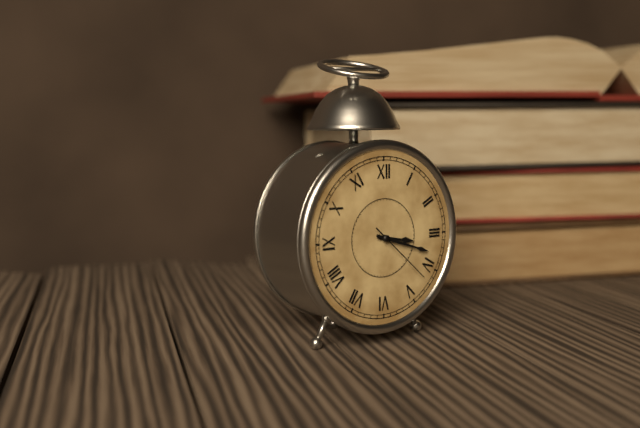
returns 3.18.22
